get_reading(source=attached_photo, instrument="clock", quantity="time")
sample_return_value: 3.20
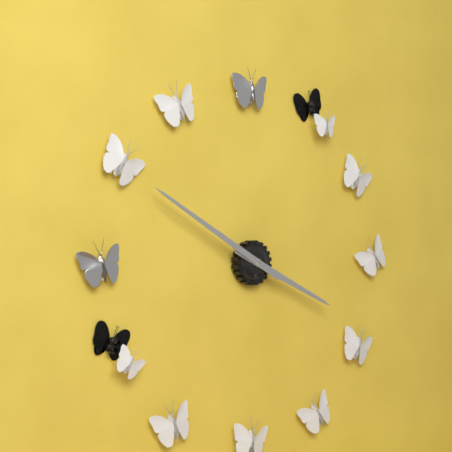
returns 3.50
